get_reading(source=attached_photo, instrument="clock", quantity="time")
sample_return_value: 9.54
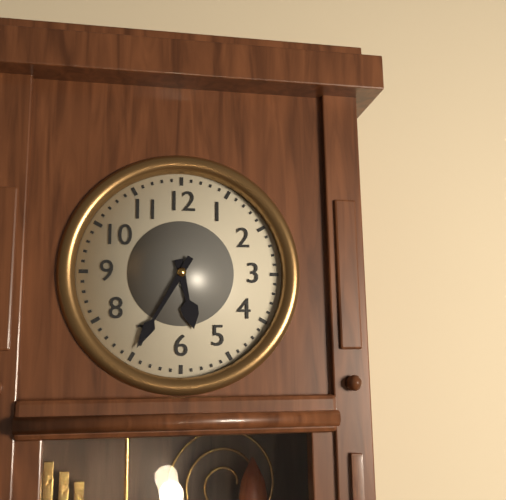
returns 5.35
